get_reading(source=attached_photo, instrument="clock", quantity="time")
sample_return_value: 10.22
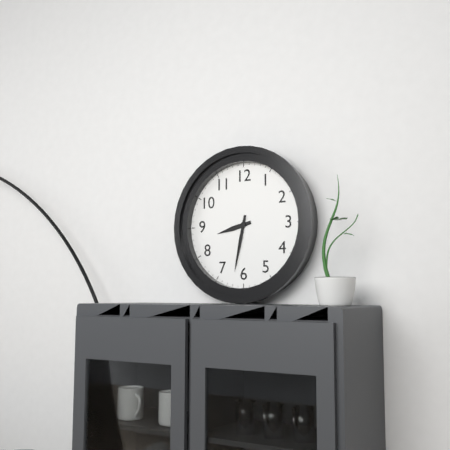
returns 8.32
